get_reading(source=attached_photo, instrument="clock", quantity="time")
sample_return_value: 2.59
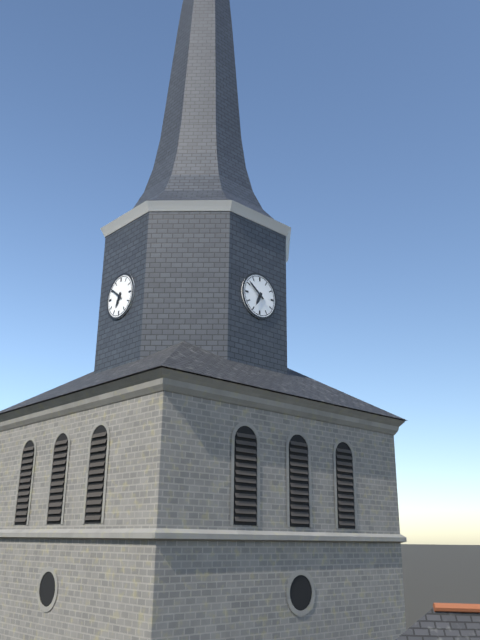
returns 6.51
